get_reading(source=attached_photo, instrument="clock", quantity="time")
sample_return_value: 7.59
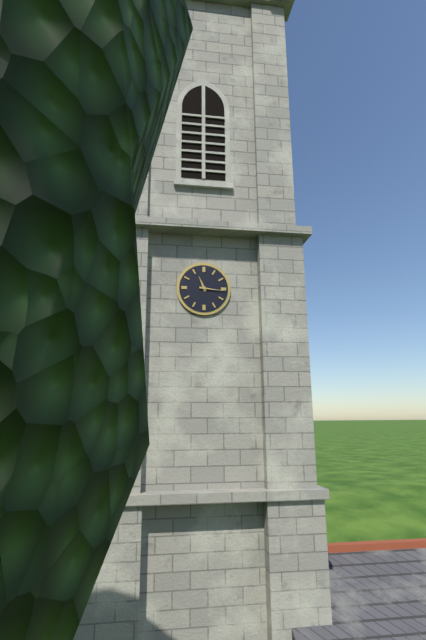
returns 11.16
